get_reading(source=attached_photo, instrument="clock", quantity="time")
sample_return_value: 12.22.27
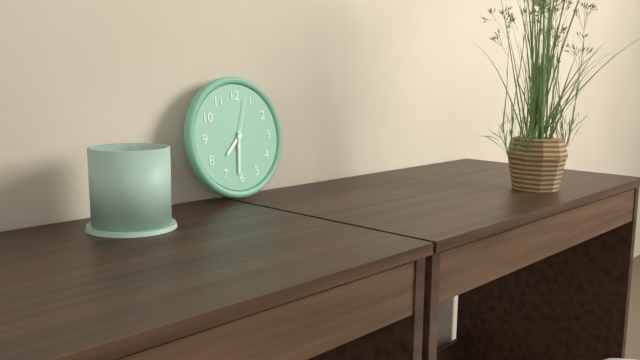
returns 7.31.03
